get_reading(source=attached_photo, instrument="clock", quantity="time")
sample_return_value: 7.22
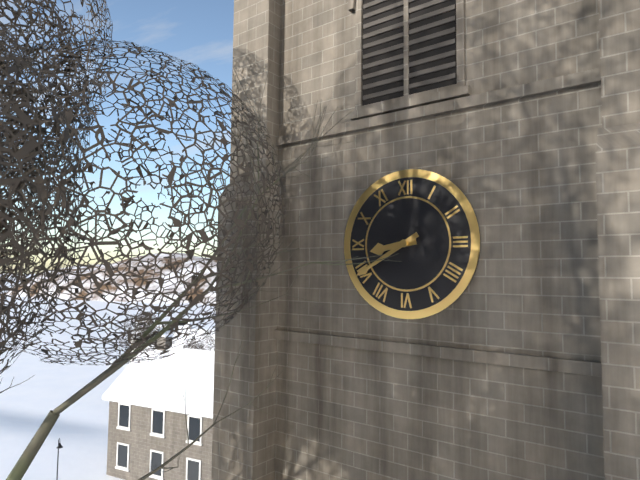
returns 8.40
